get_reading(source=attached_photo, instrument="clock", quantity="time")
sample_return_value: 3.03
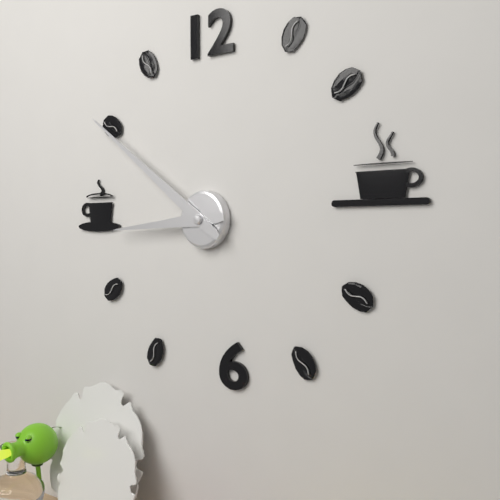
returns 8.51
